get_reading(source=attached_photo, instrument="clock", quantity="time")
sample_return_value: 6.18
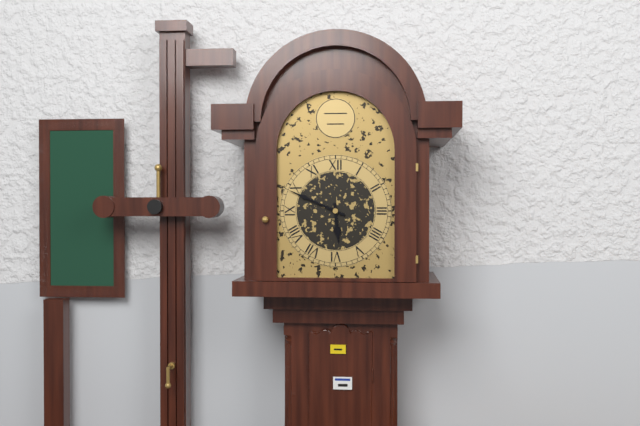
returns 5.49
